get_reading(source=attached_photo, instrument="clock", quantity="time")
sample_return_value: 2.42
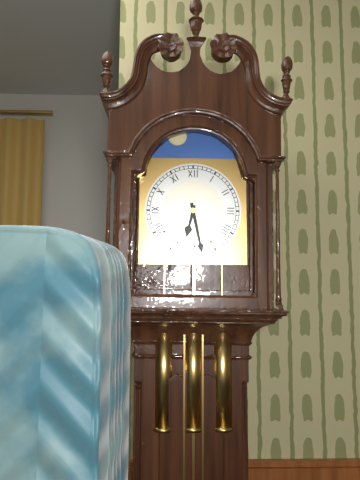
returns 6.28
